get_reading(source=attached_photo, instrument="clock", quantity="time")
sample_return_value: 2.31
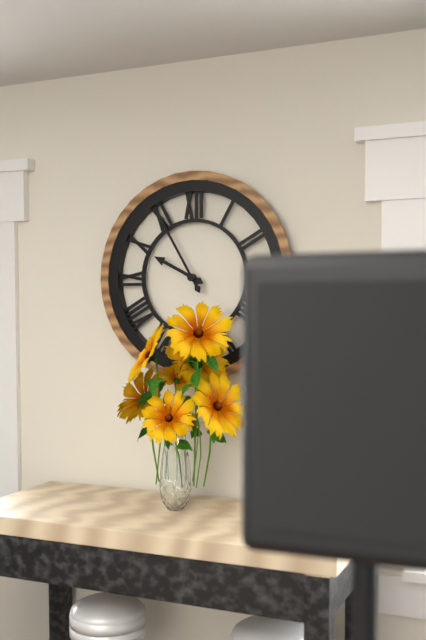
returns 9.55
